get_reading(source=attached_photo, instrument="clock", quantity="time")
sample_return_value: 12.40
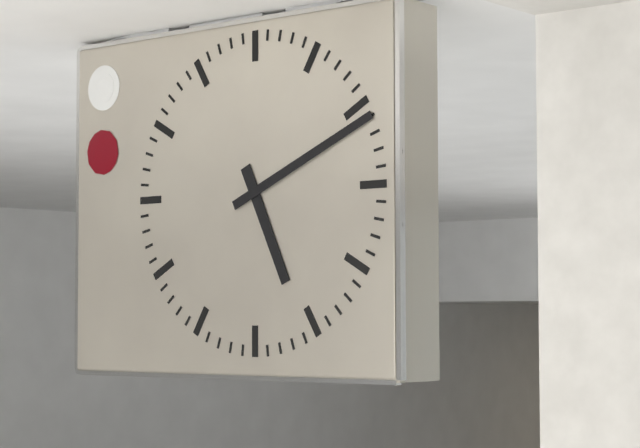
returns 5.11
